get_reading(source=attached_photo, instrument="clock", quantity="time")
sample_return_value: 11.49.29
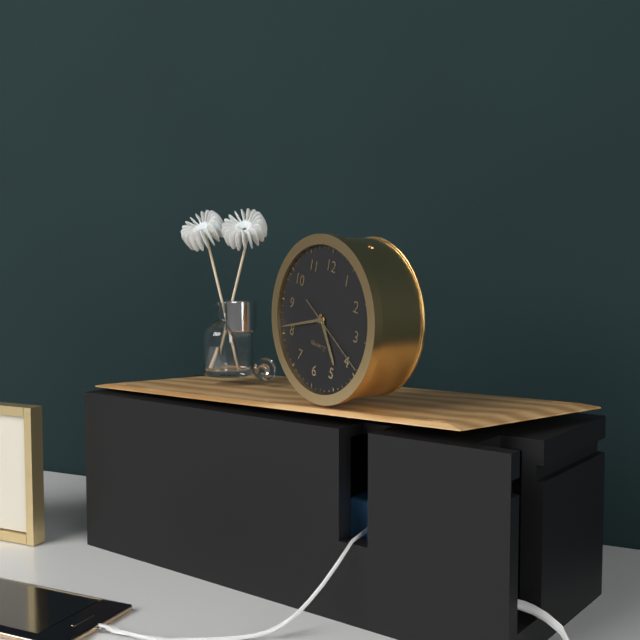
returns 4.41.19
